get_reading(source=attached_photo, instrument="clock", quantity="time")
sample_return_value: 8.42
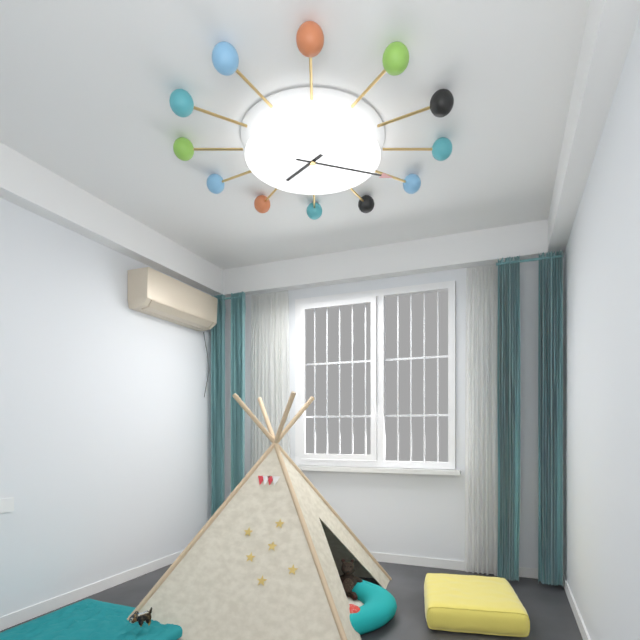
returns 7.18
